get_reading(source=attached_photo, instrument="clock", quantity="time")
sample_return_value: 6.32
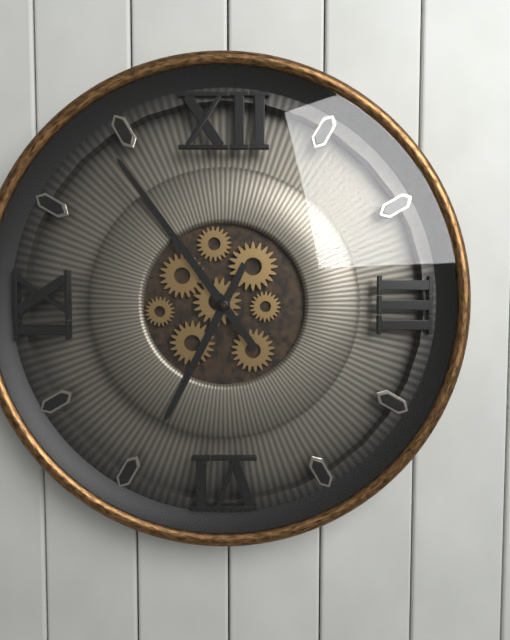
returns 6.54
